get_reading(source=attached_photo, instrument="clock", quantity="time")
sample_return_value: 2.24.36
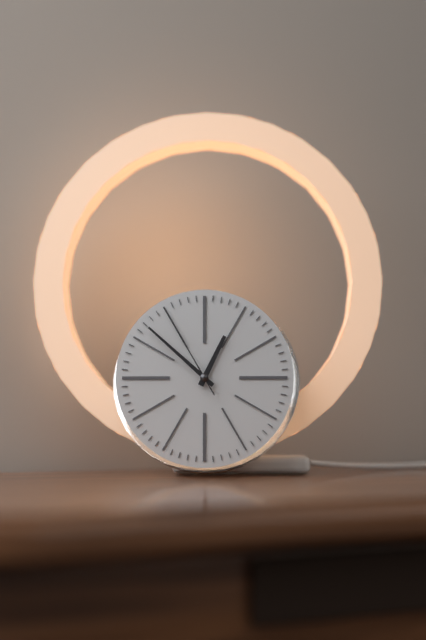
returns 12.52.55
